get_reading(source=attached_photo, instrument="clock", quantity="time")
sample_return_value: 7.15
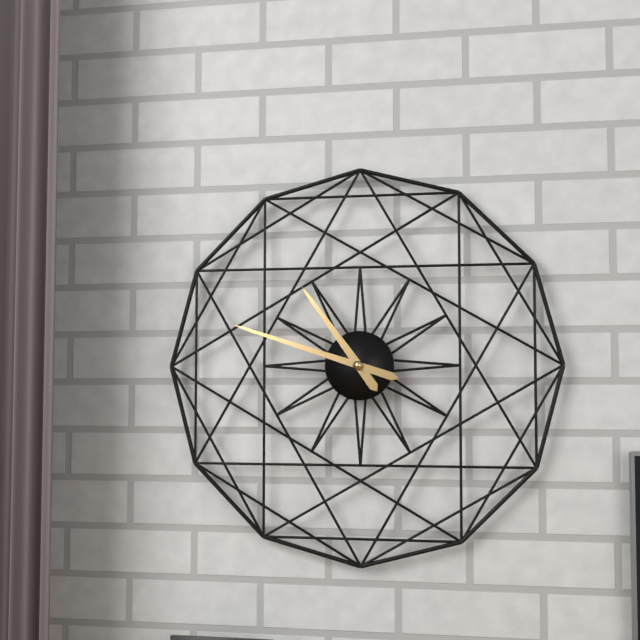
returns 10.48
